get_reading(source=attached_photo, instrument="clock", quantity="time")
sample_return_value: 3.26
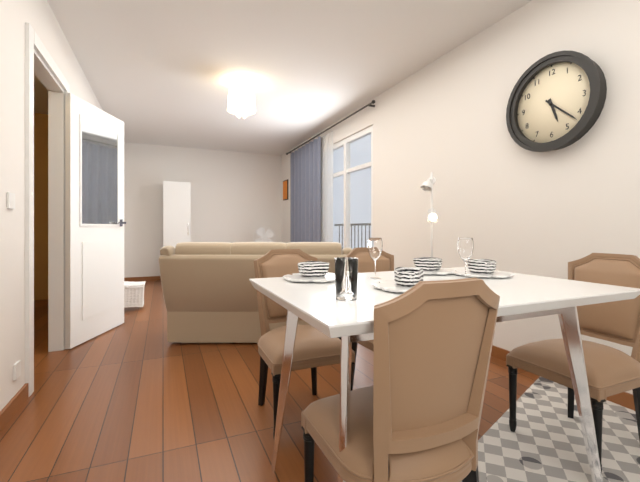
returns 5.22
